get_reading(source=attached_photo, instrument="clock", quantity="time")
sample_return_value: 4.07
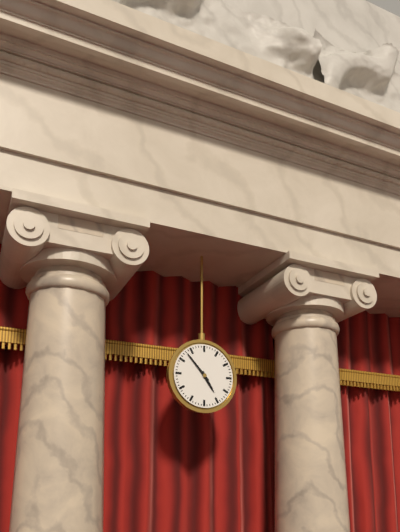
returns 4.53
